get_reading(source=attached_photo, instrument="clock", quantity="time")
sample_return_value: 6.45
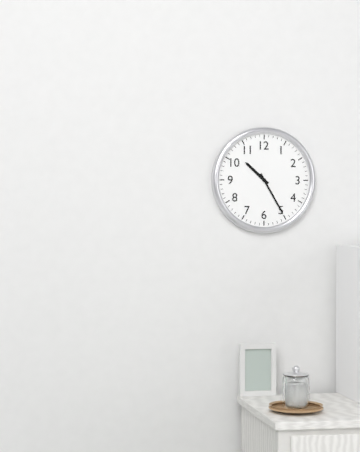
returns 10.25
